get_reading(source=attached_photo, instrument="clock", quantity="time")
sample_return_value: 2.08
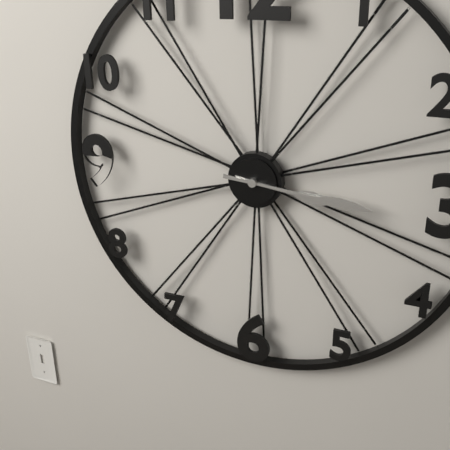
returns 3.16
